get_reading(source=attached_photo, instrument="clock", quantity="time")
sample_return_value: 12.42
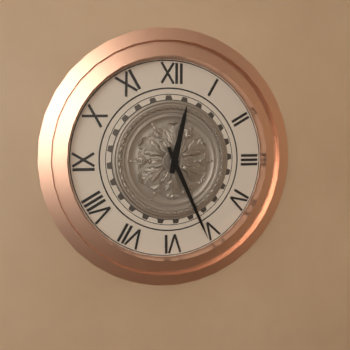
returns 12.26
